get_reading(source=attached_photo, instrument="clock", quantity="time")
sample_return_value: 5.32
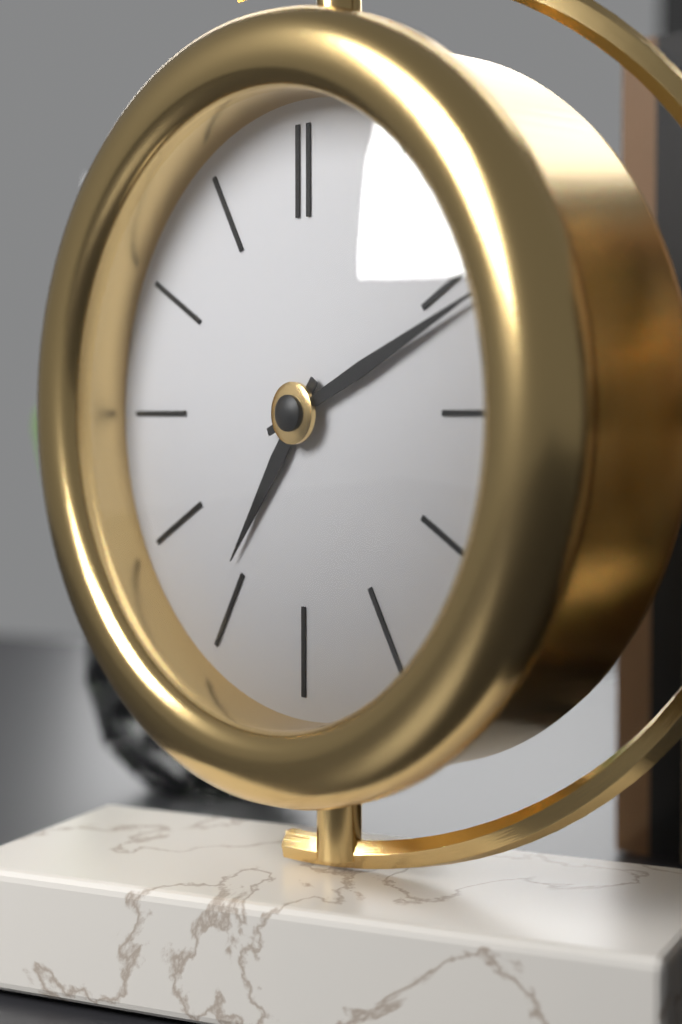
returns 7.11
